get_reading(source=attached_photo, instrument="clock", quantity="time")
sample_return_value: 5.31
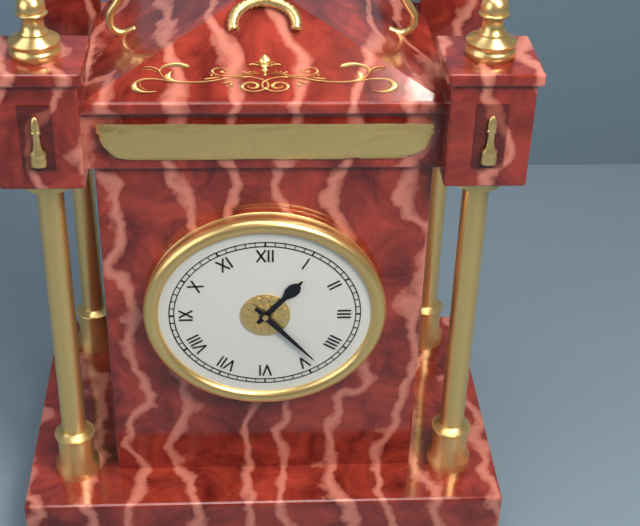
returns 1.23
